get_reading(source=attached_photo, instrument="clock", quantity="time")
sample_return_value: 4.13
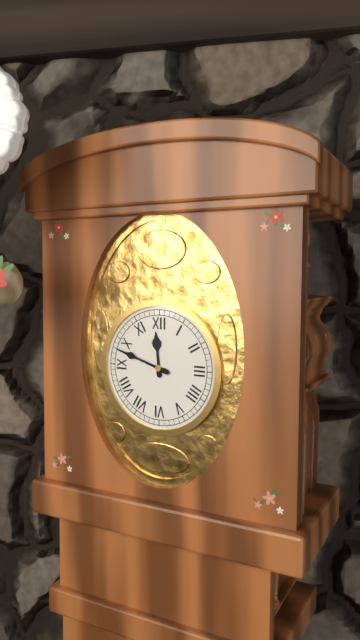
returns 11.48
